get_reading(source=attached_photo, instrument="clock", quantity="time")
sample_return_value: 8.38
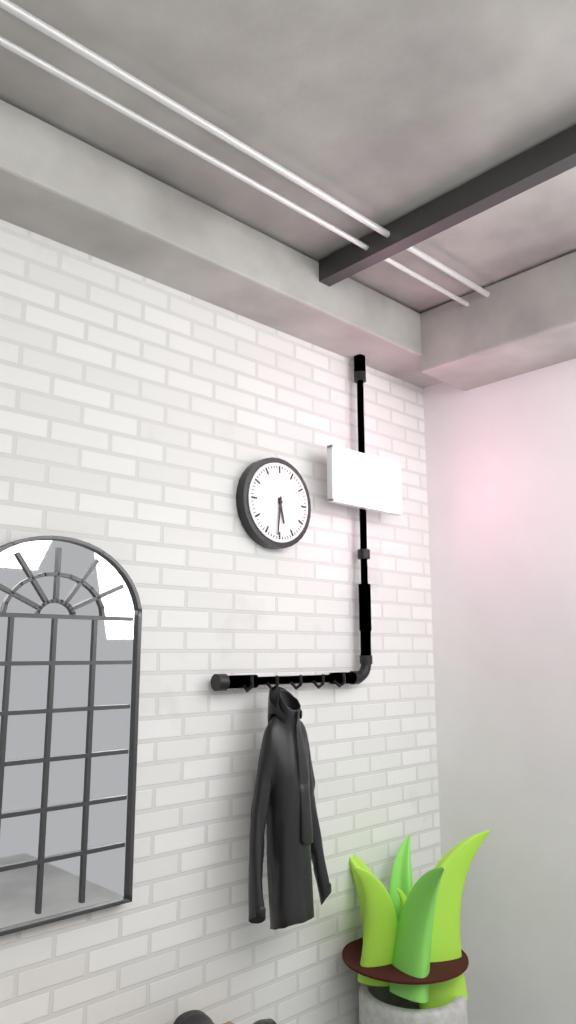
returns 5.31
